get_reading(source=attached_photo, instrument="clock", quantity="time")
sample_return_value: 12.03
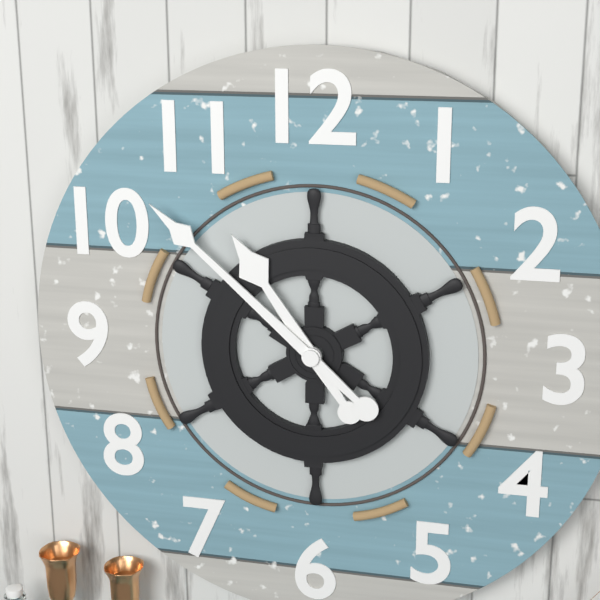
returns 10.52
